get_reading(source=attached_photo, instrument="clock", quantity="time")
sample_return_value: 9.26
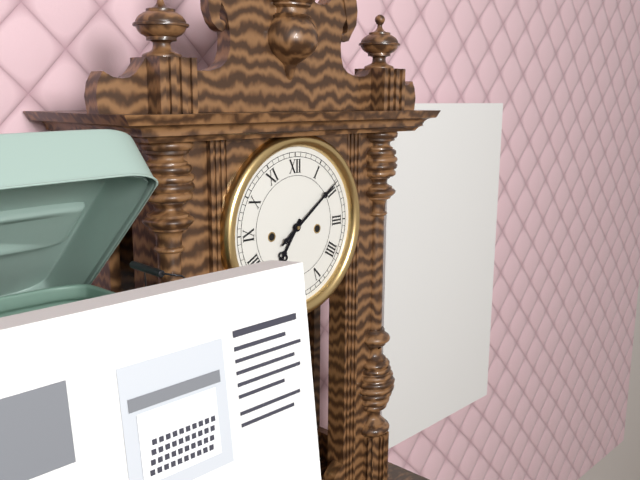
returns 7.09
